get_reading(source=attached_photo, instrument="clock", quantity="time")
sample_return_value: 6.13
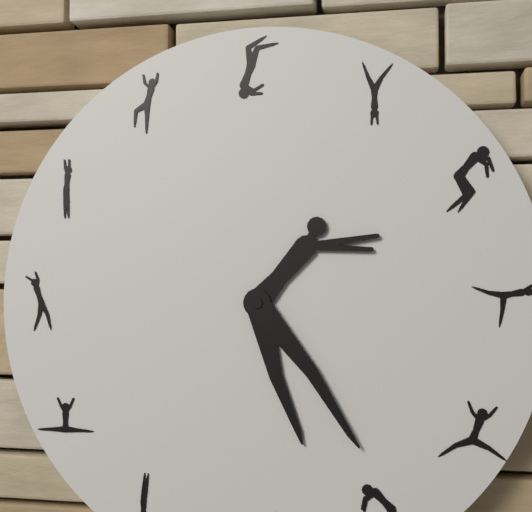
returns 5.24
